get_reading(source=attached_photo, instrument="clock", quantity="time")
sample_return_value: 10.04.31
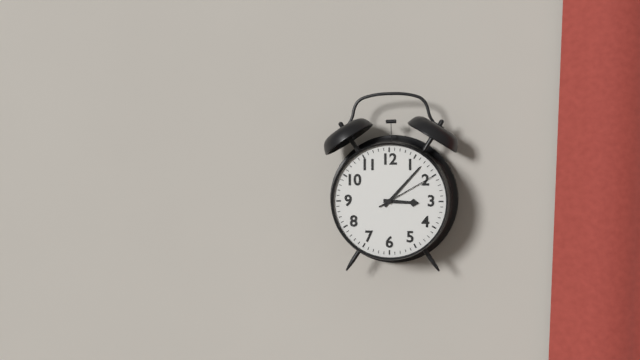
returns 3.07.10
